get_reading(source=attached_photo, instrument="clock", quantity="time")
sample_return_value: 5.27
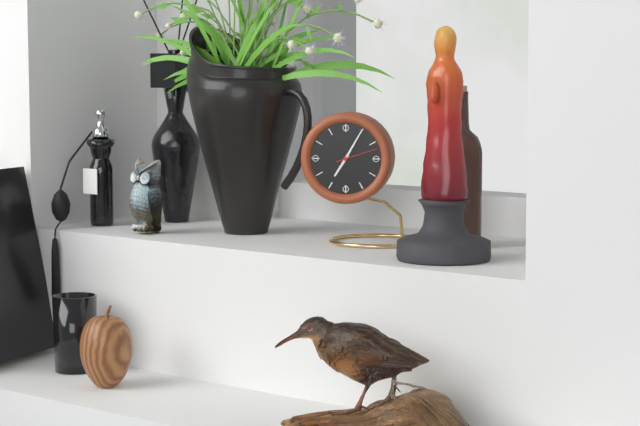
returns 7.05
